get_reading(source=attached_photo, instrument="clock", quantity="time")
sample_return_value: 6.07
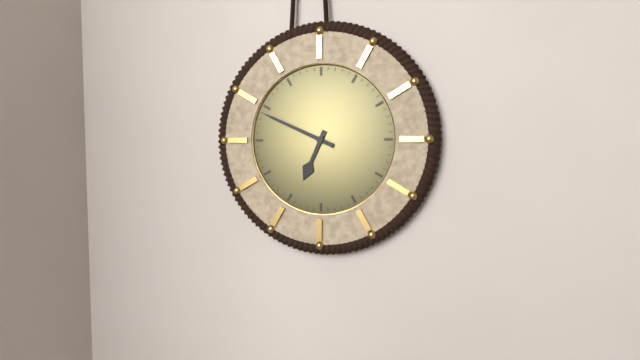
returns 6.49
